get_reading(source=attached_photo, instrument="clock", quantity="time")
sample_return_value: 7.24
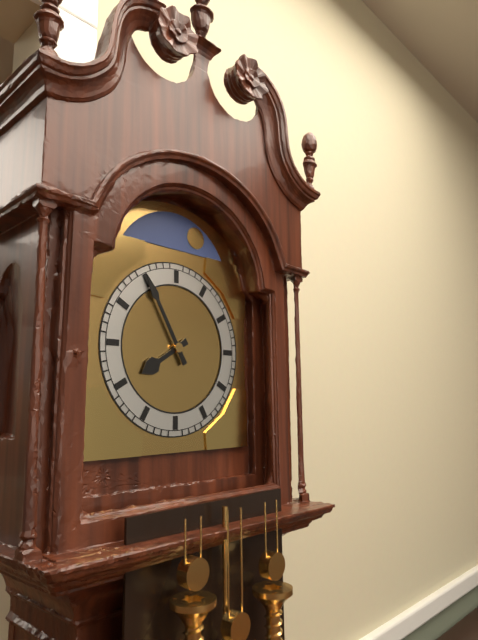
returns 7.55
